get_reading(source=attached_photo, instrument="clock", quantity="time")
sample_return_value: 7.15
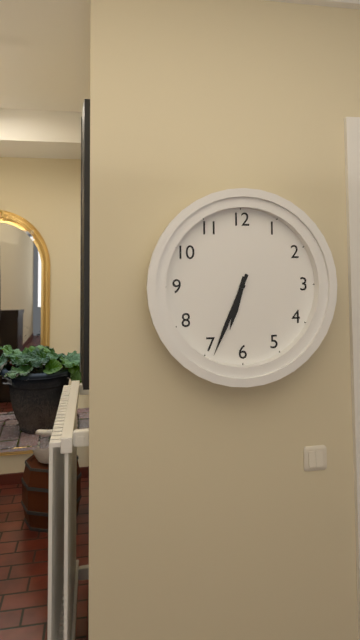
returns 6.34
